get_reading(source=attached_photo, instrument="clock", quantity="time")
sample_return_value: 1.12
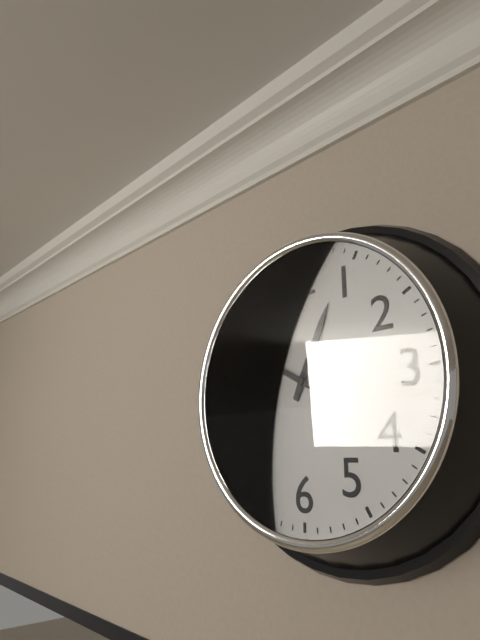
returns 12.50
